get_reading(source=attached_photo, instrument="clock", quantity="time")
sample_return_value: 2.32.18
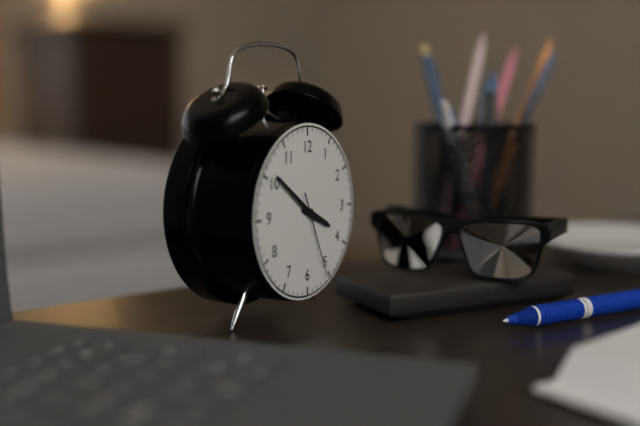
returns 3.51.26
